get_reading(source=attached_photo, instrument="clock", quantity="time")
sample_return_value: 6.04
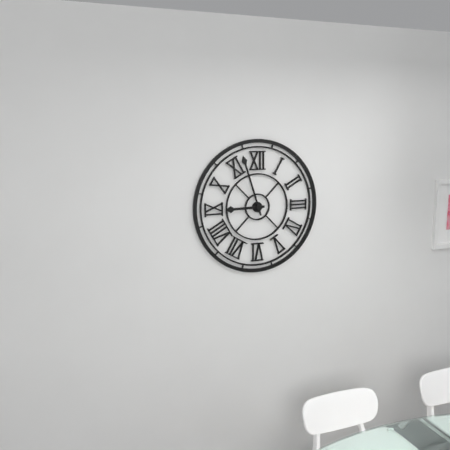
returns 8.57
